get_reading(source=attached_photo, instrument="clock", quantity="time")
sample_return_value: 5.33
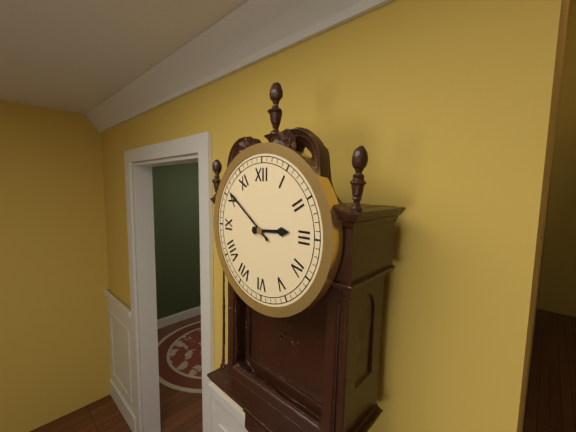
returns 2.51
